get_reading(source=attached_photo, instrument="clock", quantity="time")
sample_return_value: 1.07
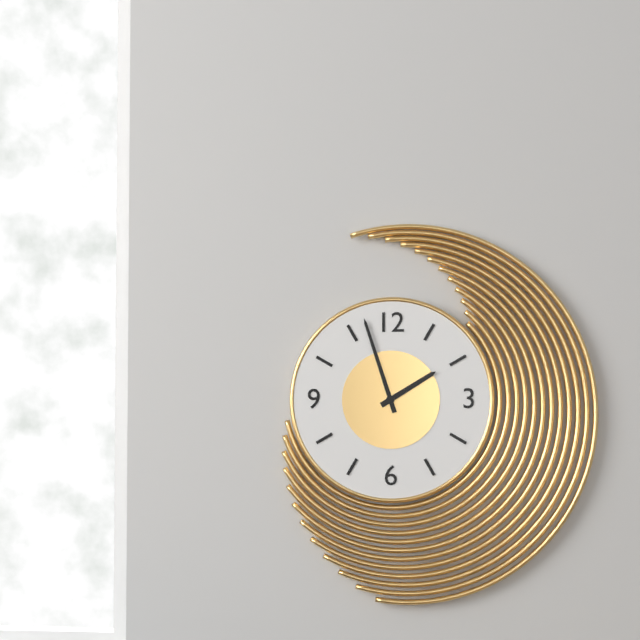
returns 1.57
